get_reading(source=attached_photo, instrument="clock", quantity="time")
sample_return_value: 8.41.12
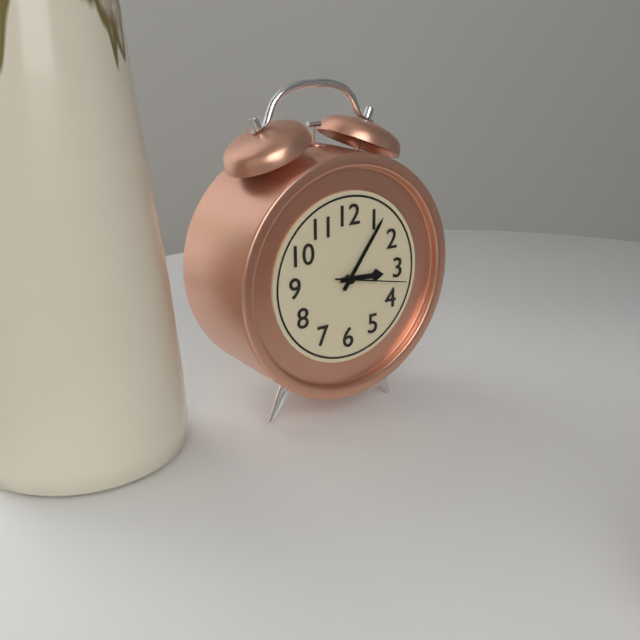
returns 3.06.17
